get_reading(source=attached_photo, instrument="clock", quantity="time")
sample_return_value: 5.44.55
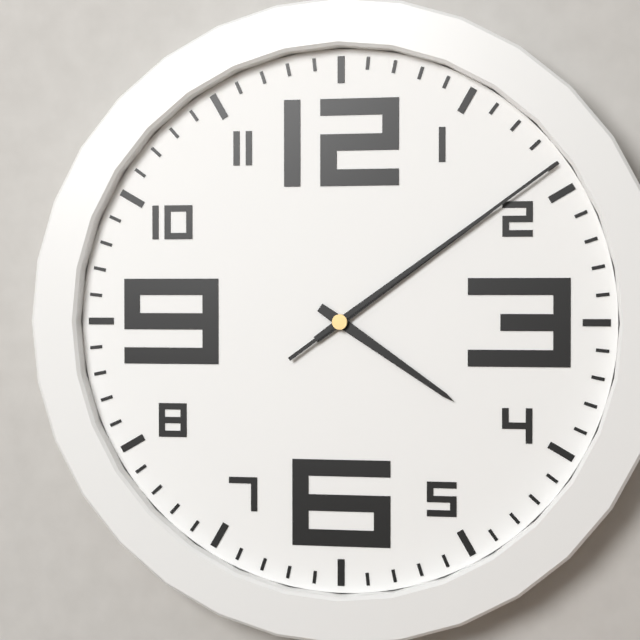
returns 4.09.09
